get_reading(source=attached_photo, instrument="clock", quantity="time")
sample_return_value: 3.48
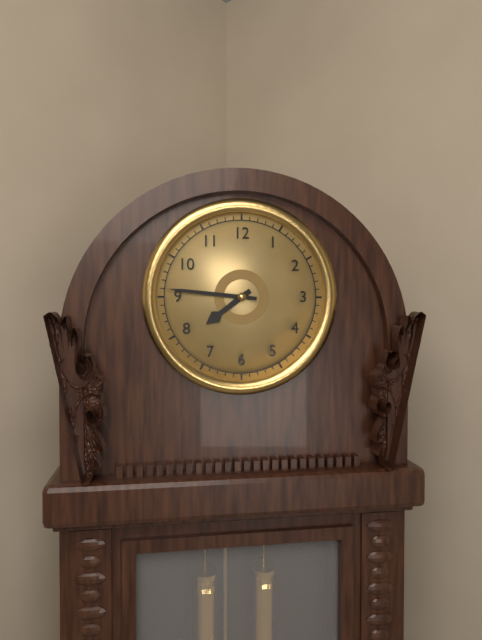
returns 7.46
